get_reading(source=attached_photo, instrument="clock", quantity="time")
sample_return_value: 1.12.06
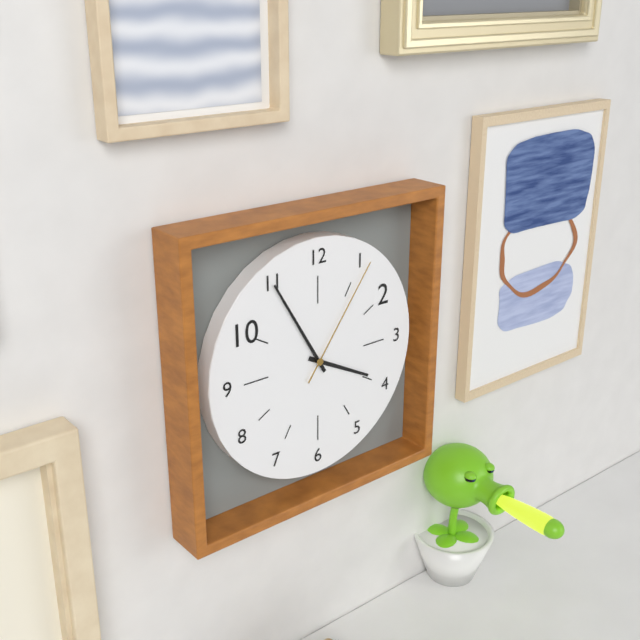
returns 3.55.06
